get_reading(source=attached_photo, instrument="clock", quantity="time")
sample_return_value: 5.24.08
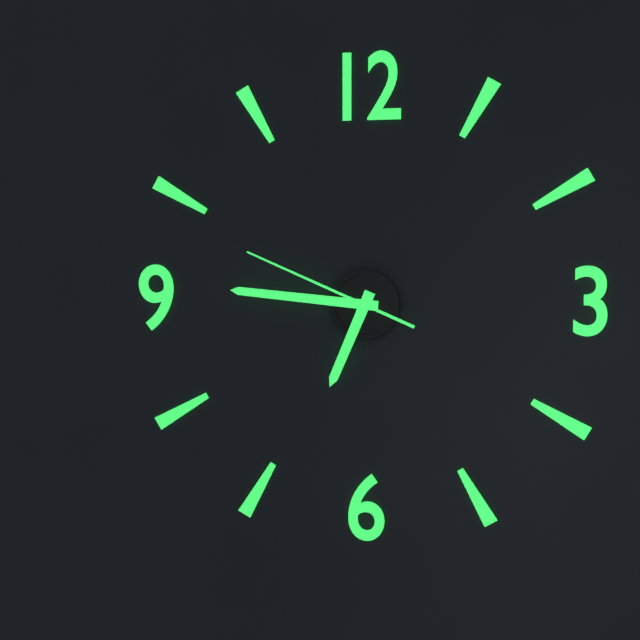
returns 6.46.49
